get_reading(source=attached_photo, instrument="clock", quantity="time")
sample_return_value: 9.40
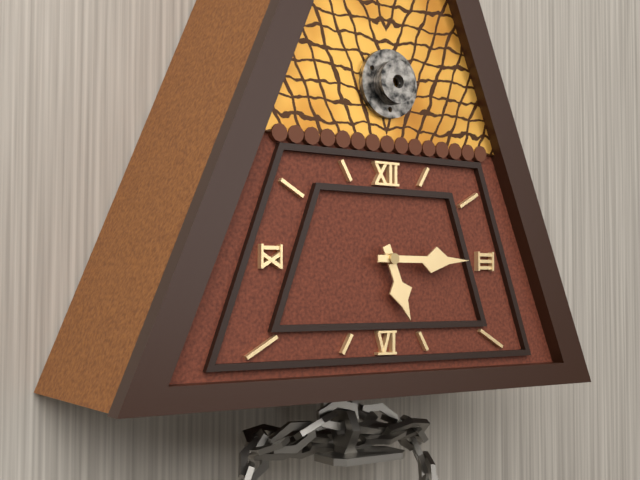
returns 5.15
